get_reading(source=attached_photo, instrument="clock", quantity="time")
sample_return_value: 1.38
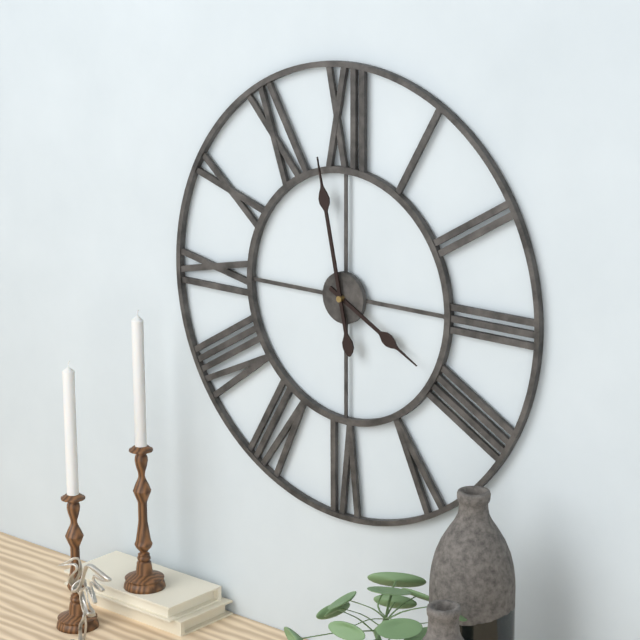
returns 3.58
